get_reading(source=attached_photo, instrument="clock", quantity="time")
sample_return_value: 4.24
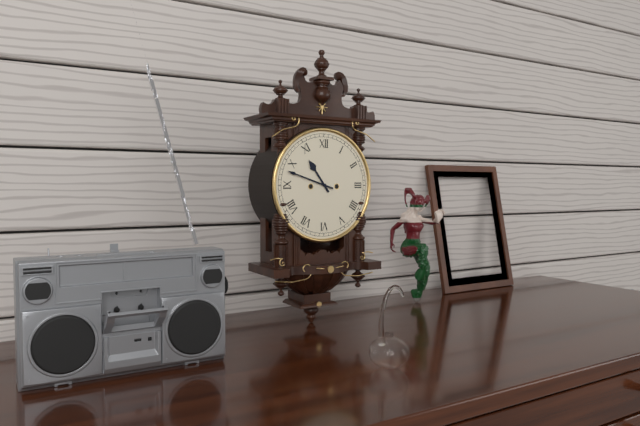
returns 10.48
